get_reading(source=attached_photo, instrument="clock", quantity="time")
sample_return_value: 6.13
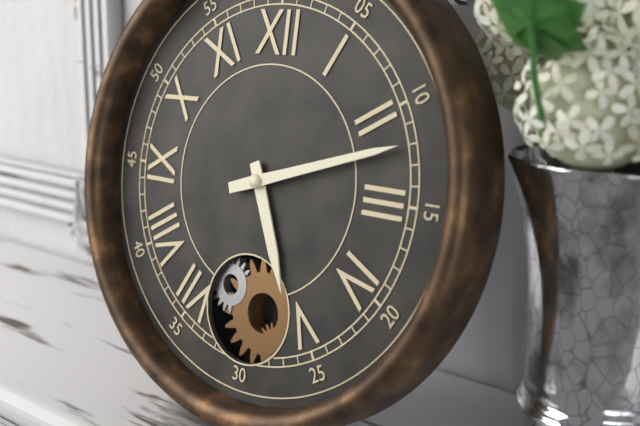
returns 5.12
